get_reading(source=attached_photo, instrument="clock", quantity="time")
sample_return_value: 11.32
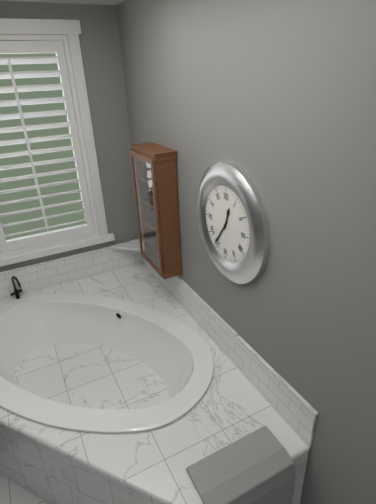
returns 12.36
